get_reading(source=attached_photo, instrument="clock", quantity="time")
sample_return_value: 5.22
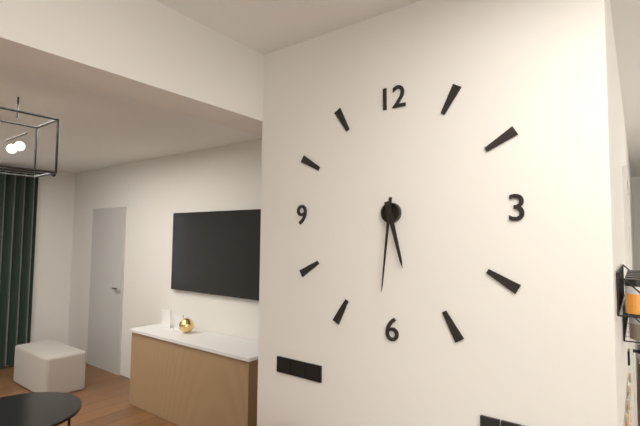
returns 5.31
